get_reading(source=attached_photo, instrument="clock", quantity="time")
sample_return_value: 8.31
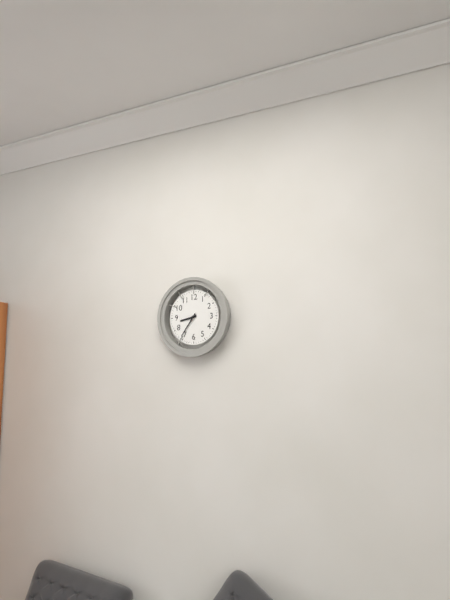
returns 8.36
